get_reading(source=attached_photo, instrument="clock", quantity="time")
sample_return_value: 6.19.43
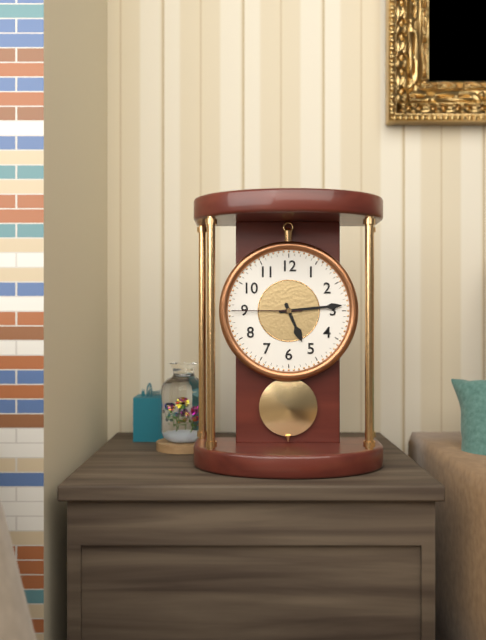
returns 5.14.45
